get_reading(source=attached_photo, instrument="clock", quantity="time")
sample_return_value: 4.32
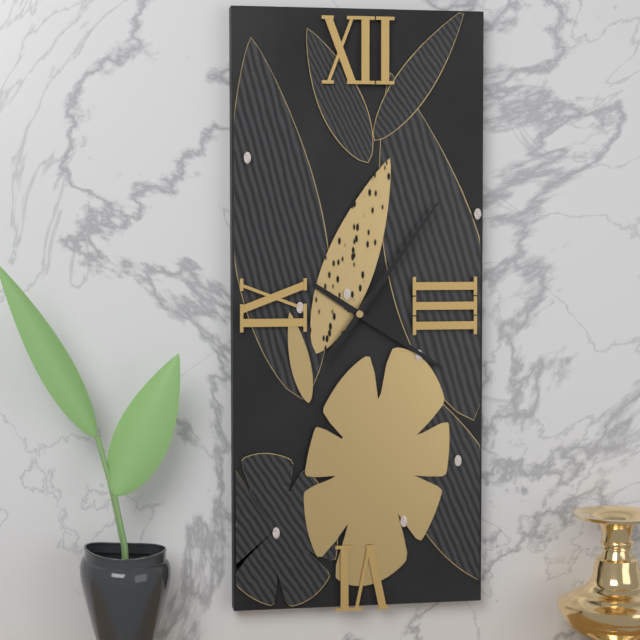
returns 4.06
